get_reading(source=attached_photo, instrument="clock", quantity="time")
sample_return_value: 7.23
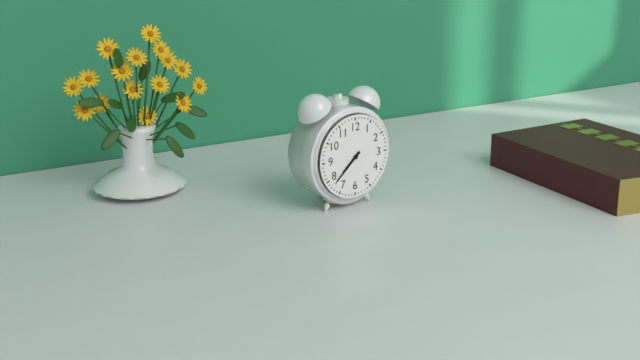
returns 7.38
